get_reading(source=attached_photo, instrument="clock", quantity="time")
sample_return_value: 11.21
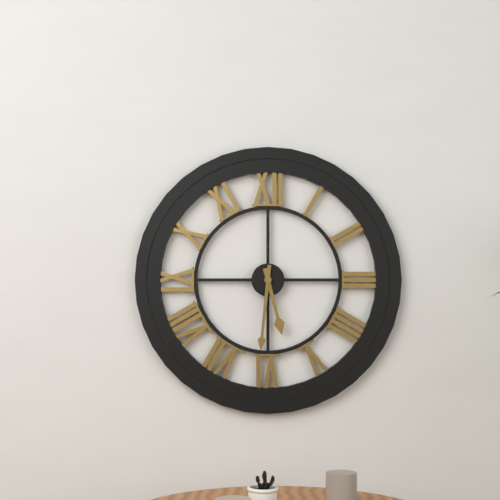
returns 5.31
